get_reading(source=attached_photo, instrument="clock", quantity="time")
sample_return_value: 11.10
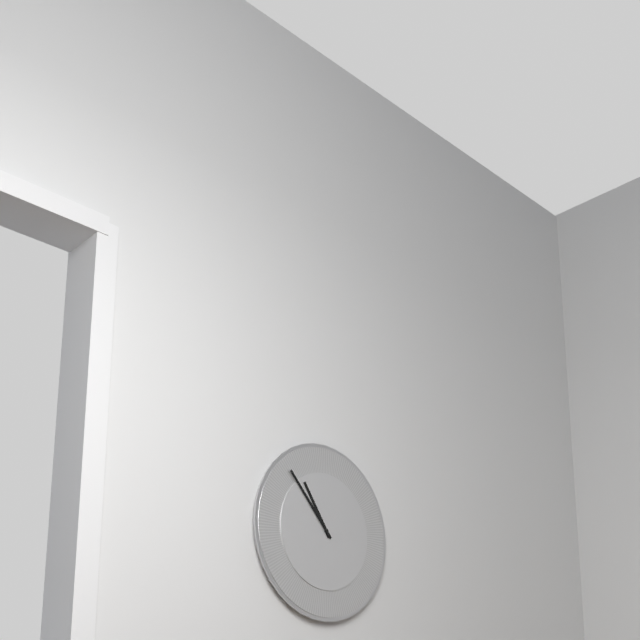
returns 10.53
